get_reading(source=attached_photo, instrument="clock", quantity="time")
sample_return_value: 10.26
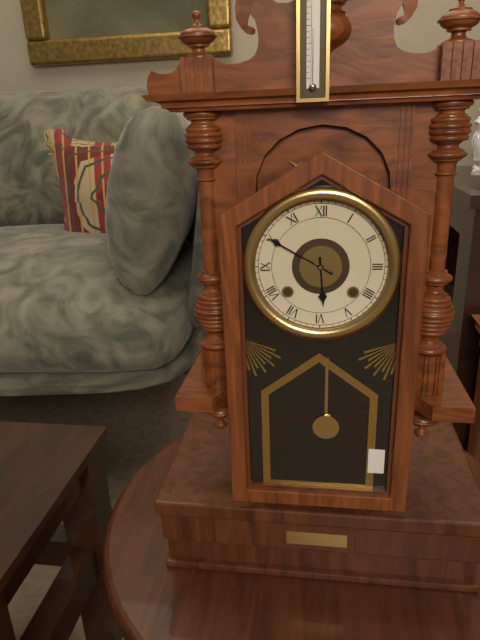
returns 5.50
